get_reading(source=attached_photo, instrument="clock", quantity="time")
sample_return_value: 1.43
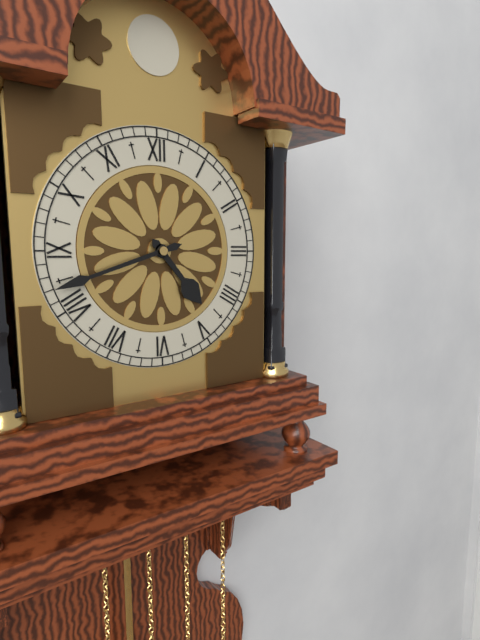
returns 4.42
